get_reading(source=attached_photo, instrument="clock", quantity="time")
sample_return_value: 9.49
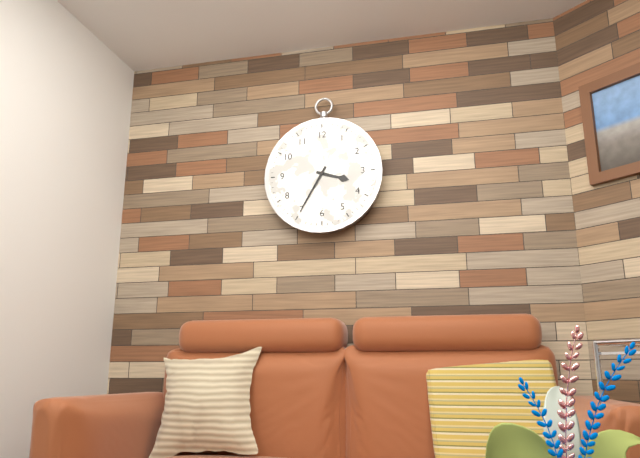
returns 3.35
